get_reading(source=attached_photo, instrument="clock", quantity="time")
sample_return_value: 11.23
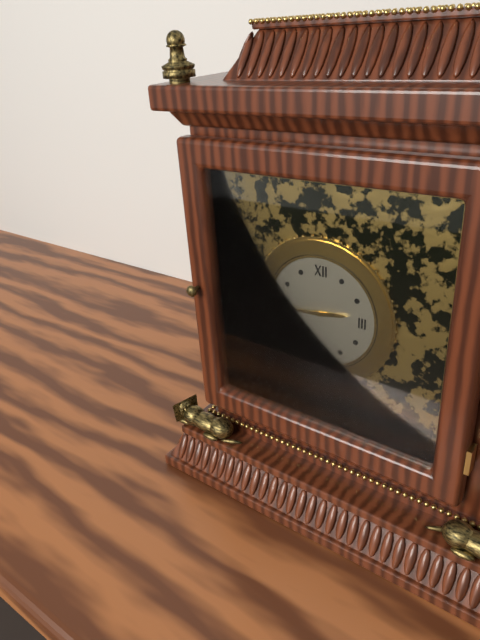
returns 2.44
